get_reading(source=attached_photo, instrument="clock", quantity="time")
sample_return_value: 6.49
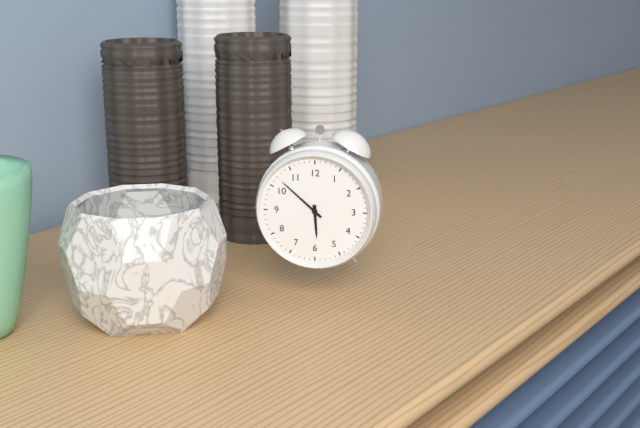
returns 5.52
